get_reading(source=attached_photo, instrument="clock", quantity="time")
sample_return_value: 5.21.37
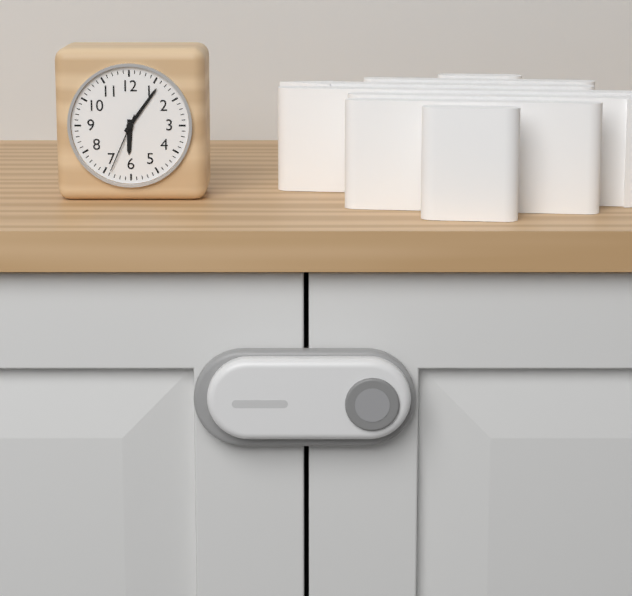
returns 6.06.34
